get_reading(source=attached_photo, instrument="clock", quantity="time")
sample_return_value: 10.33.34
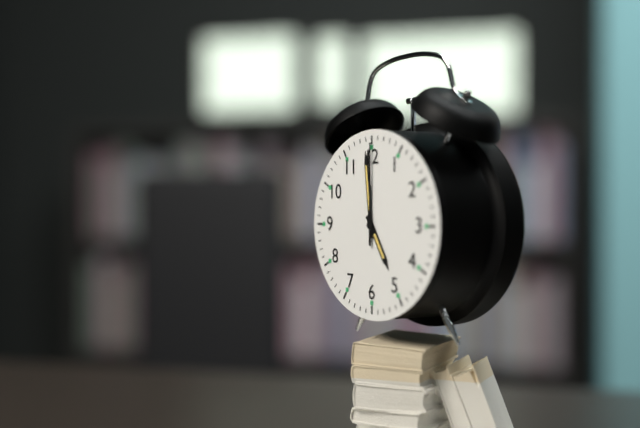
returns 4.59.00
